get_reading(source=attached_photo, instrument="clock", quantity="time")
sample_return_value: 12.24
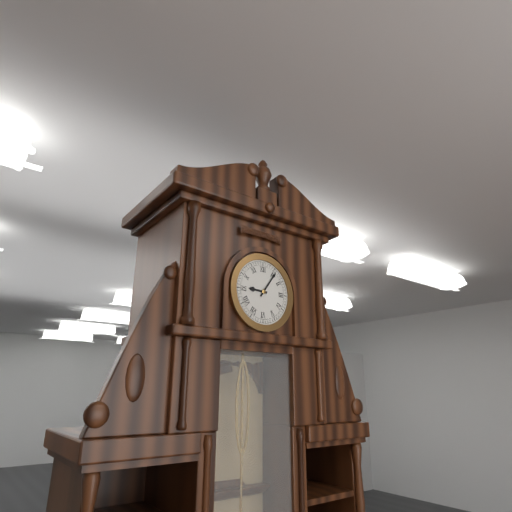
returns 9.06
